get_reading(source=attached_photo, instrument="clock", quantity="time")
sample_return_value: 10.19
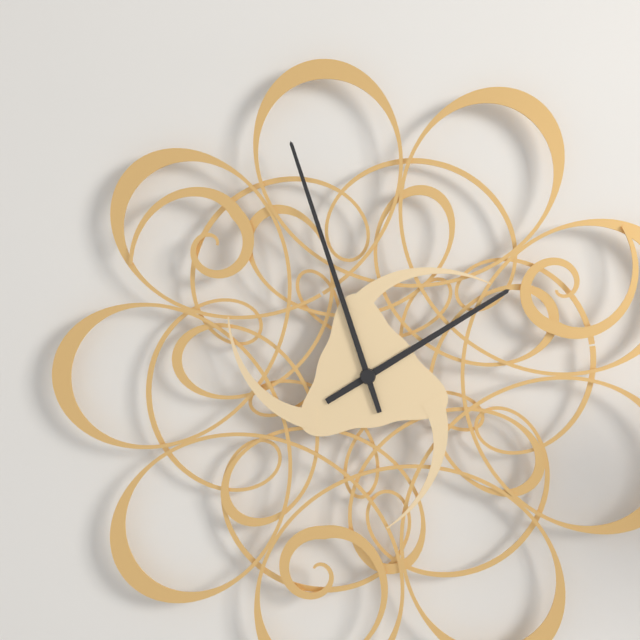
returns 1.57
